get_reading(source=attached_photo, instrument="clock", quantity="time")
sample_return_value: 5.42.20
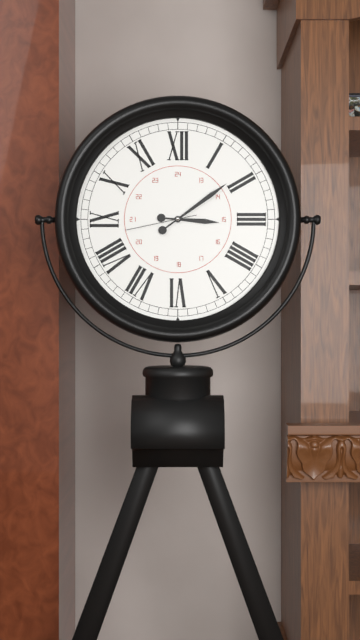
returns 3.09.43
